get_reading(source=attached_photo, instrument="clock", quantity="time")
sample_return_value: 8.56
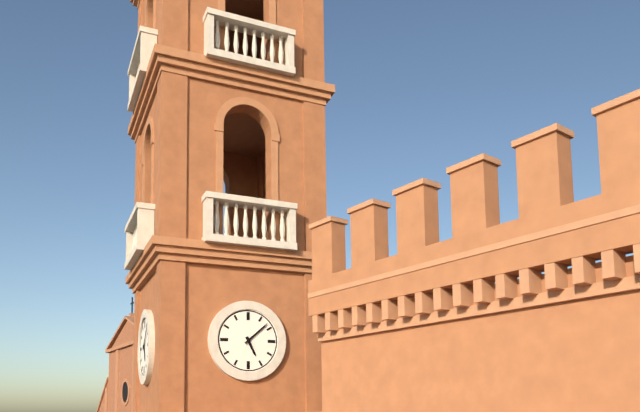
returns 5.08
